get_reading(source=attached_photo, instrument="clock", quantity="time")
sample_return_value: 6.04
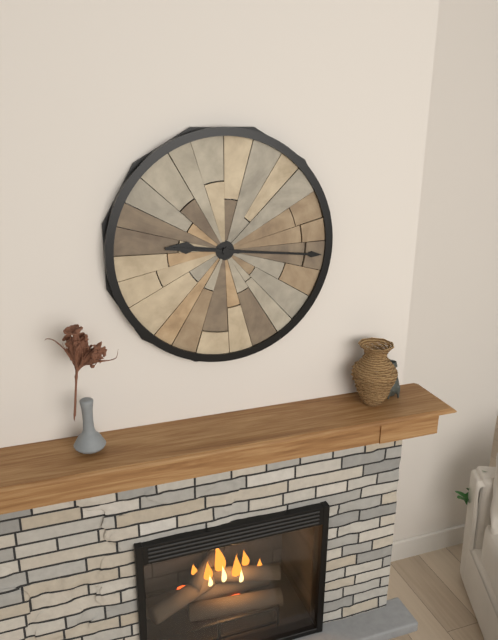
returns 9.16
